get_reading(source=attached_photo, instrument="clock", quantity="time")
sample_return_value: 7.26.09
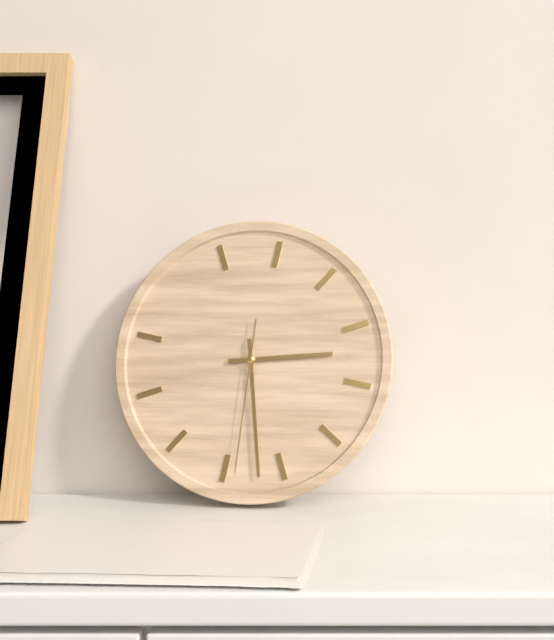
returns 2.27.29
